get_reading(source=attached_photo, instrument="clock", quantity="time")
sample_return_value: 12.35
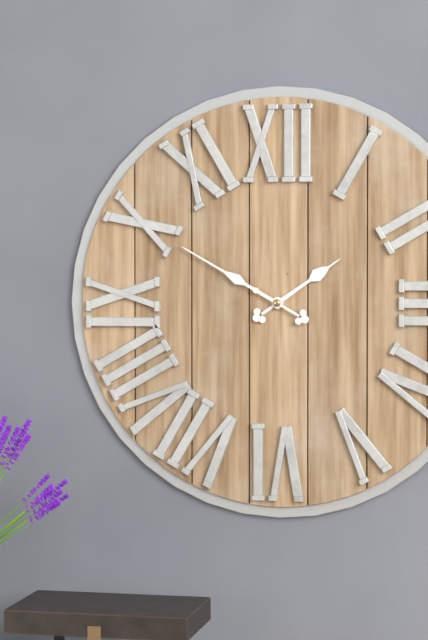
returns 1.50
